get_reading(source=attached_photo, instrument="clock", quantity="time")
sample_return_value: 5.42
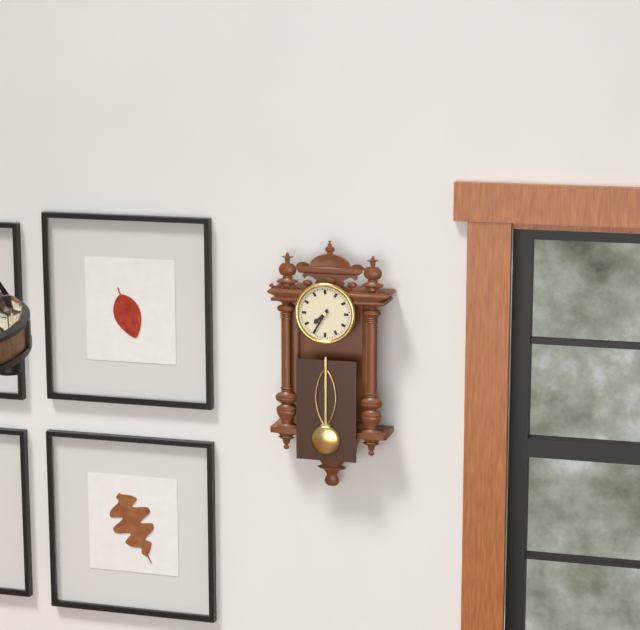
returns 7.35
